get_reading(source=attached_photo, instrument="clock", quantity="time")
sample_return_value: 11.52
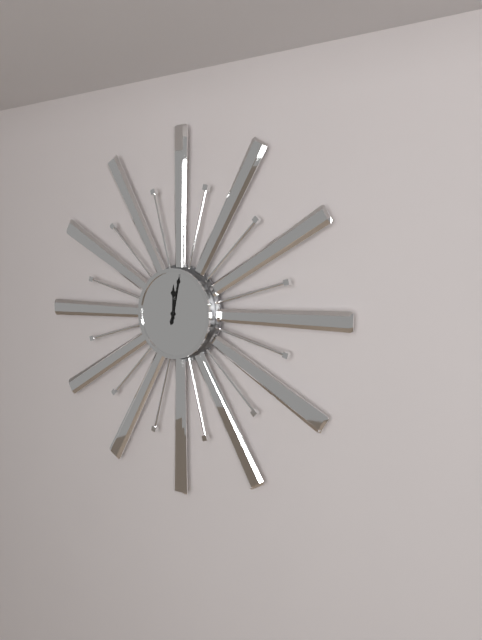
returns 12.02
